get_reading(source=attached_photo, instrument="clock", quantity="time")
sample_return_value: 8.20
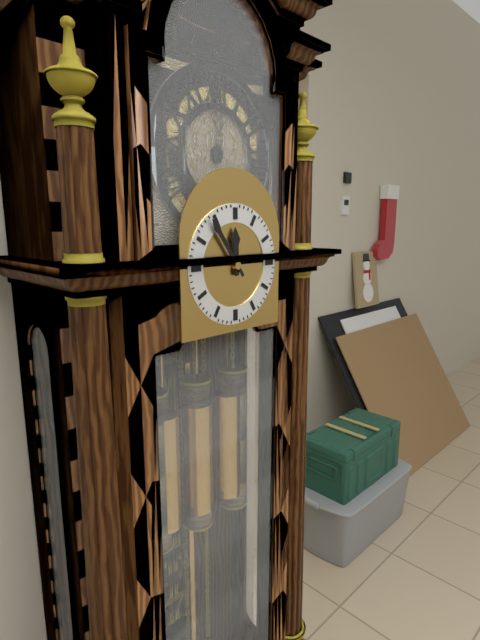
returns 11.54
